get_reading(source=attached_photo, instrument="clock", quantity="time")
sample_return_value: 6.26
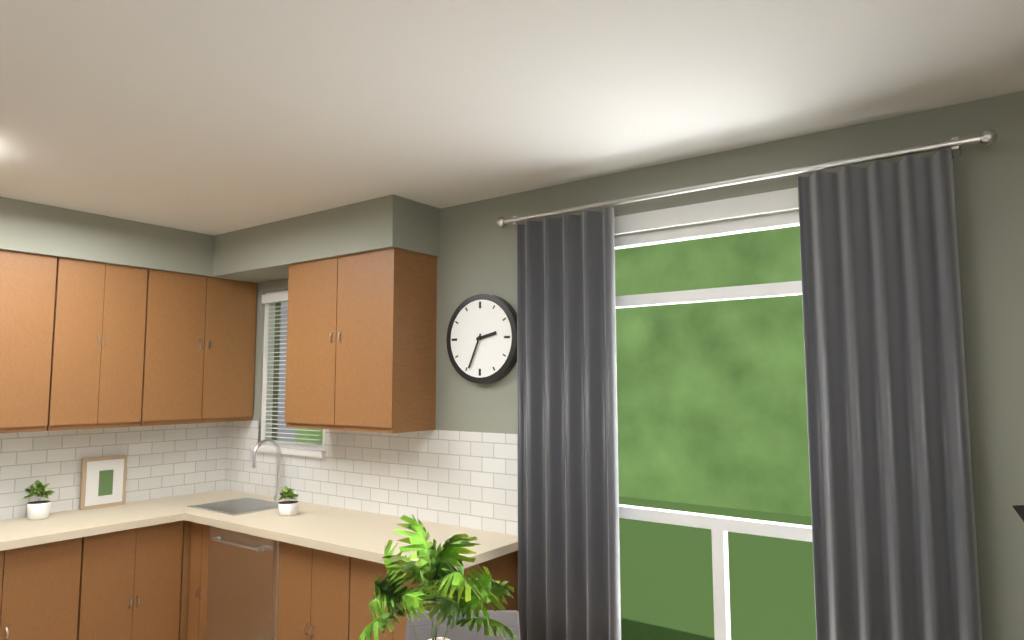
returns 2.34
